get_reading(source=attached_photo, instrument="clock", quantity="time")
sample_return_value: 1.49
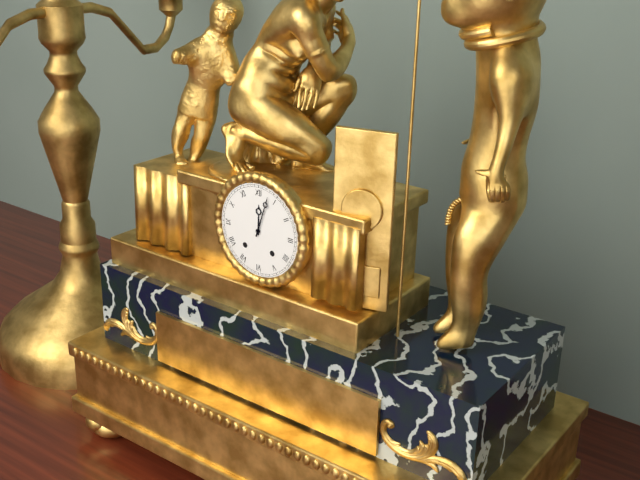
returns 12.03
